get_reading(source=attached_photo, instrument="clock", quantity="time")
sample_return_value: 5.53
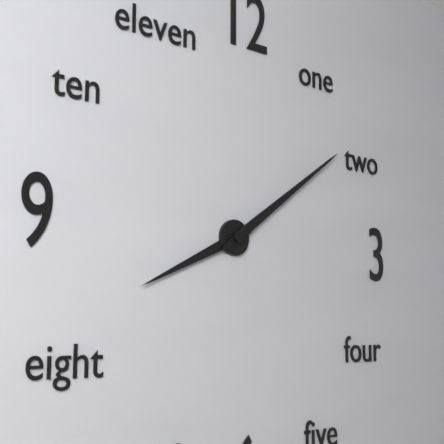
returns 8.09
